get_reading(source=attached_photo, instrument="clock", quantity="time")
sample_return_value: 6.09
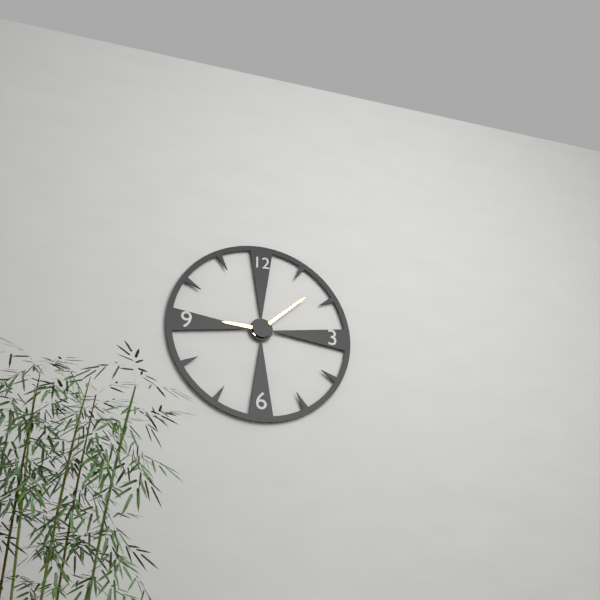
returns 9.08
